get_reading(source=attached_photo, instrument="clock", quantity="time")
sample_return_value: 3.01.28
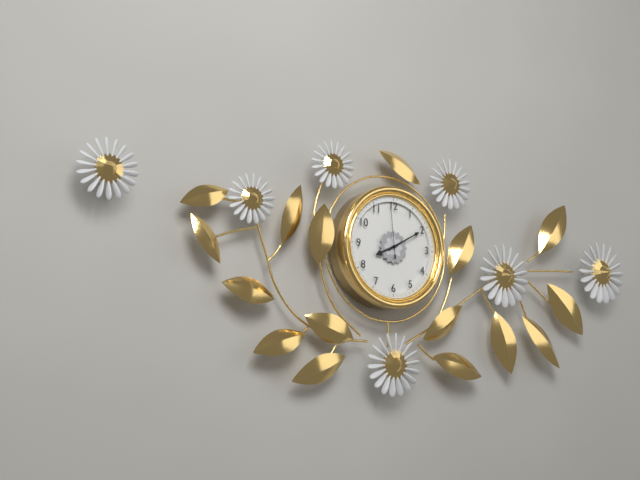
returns 8.10.59
